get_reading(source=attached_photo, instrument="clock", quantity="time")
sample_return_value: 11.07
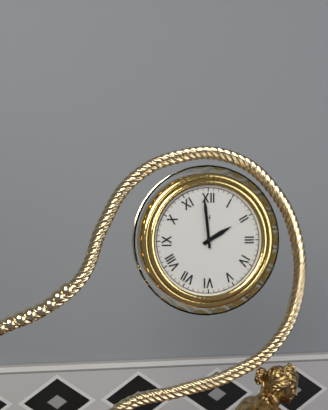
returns 1.59
